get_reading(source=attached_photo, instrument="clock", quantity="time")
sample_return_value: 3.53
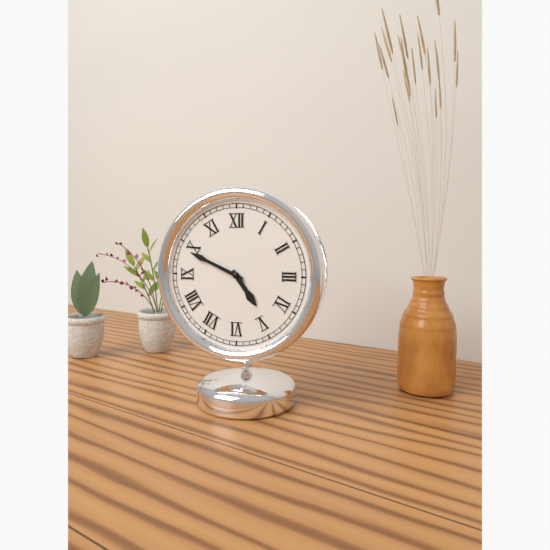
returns 4.49
